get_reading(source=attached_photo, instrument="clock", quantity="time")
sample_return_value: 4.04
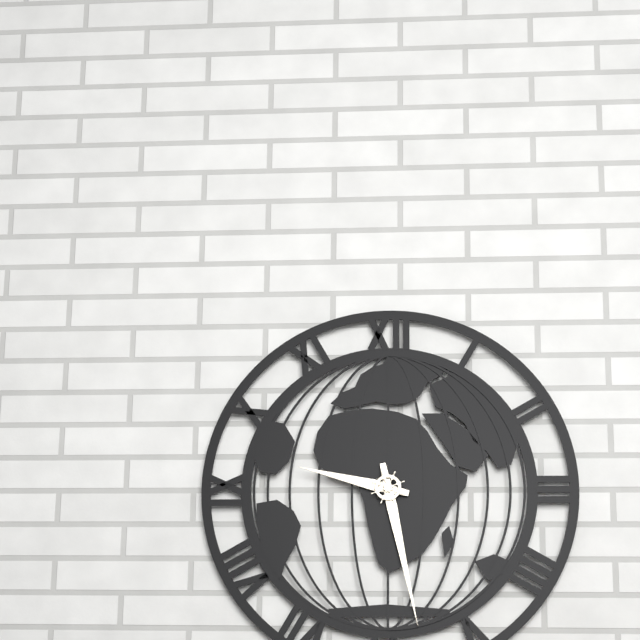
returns 9.28
